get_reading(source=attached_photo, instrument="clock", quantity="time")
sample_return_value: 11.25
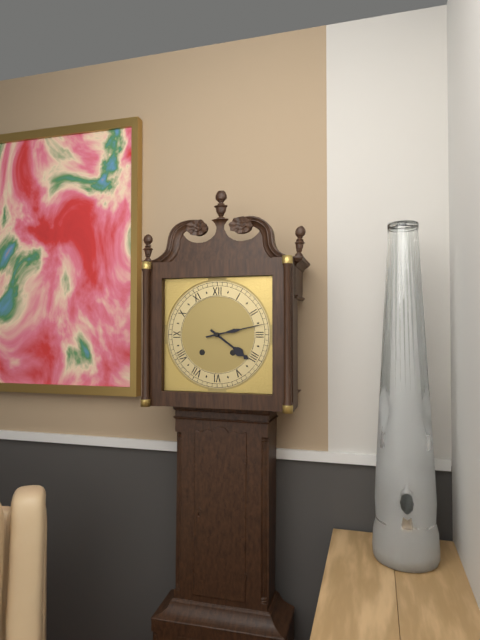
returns 4.13
